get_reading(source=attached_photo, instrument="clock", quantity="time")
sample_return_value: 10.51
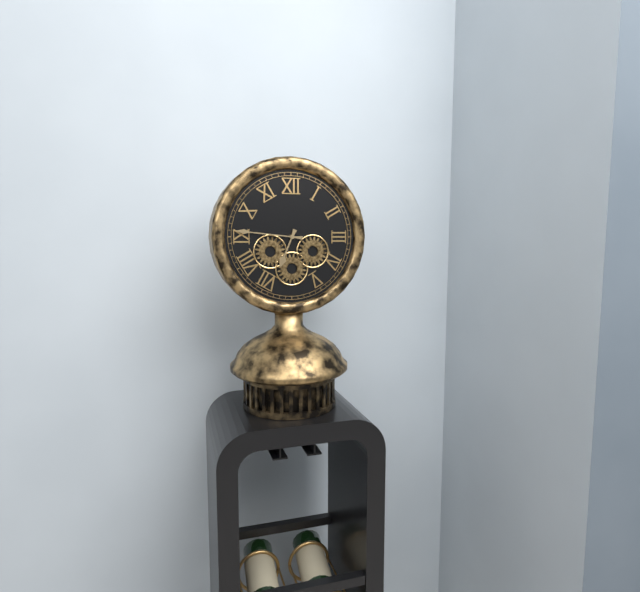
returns 6.46
